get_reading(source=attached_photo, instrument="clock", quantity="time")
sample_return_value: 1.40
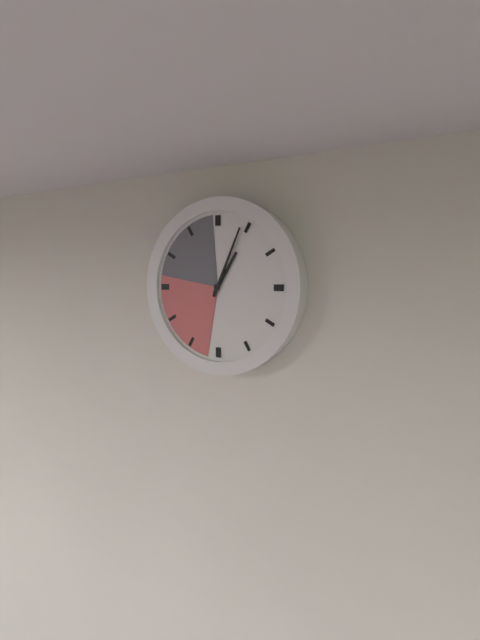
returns 1.04
